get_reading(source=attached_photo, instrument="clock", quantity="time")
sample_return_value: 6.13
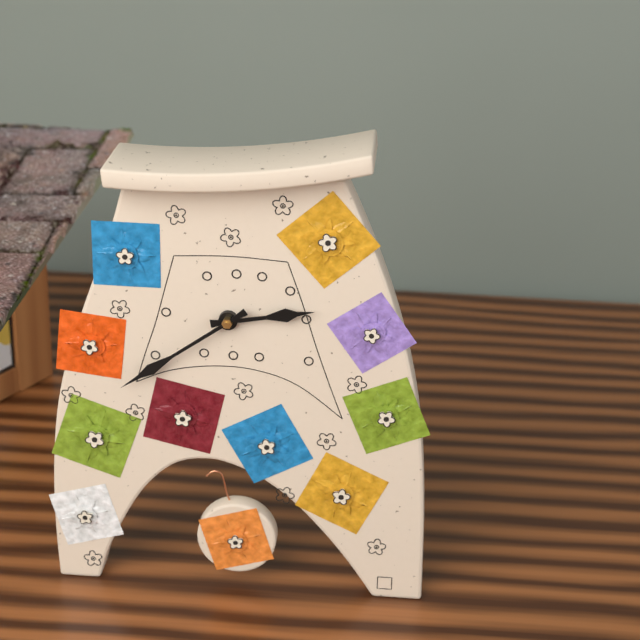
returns 2.39
